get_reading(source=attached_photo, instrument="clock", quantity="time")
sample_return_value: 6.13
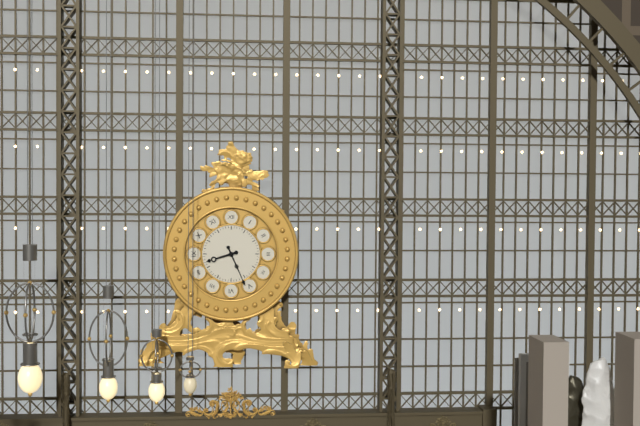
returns 8.26
